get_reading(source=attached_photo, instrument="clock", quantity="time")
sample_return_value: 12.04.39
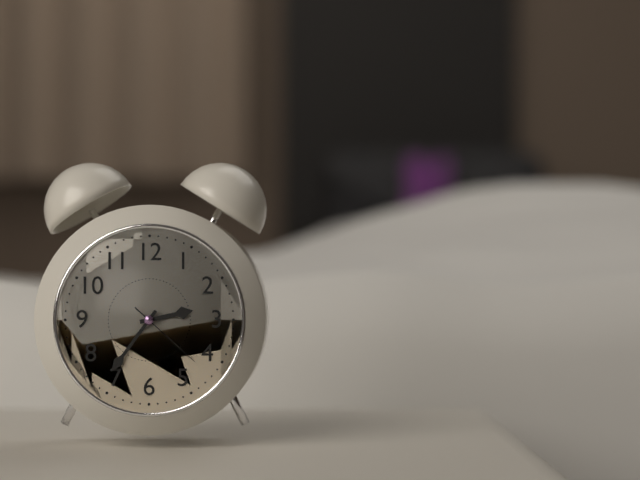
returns 2.36.22
